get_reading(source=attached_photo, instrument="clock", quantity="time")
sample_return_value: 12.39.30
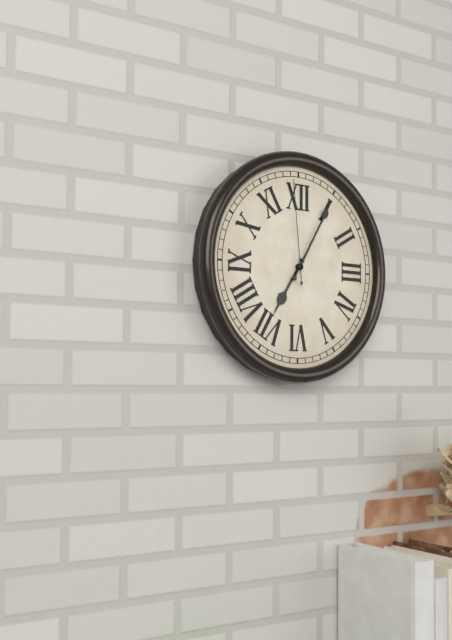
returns 7.05.59
